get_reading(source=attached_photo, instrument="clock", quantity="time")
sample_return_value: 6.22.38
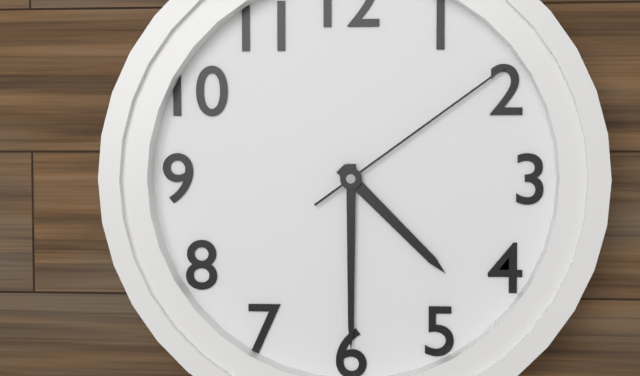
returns 4.30.09
